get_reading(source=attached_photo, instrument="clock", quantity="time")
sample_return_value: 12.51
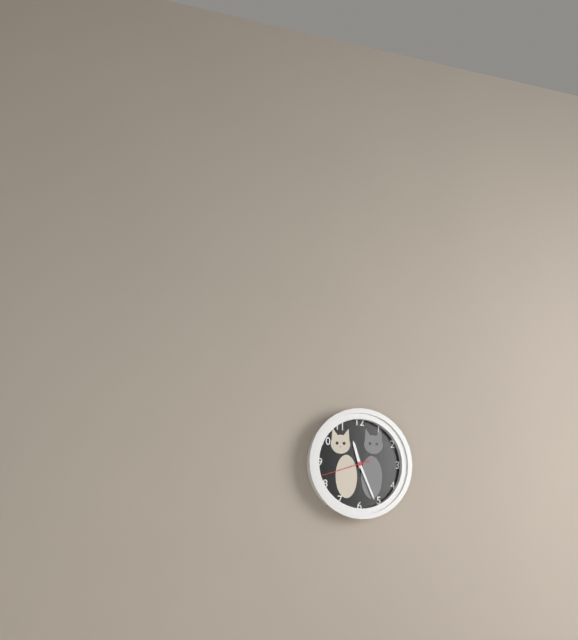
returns 11.26
